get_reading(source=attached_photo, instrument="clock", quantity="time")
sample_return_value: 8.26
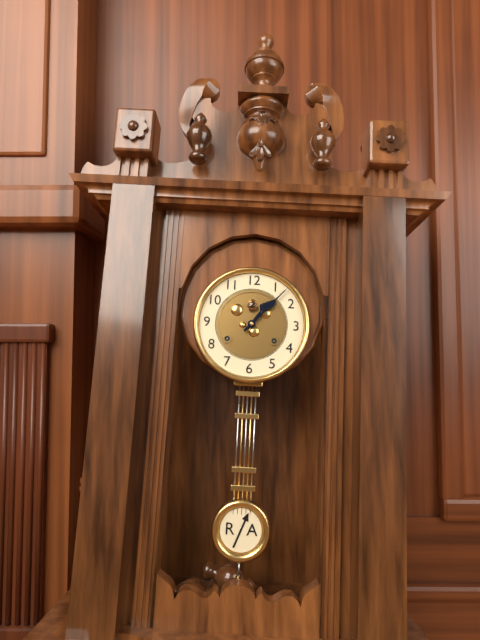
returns 1.07
